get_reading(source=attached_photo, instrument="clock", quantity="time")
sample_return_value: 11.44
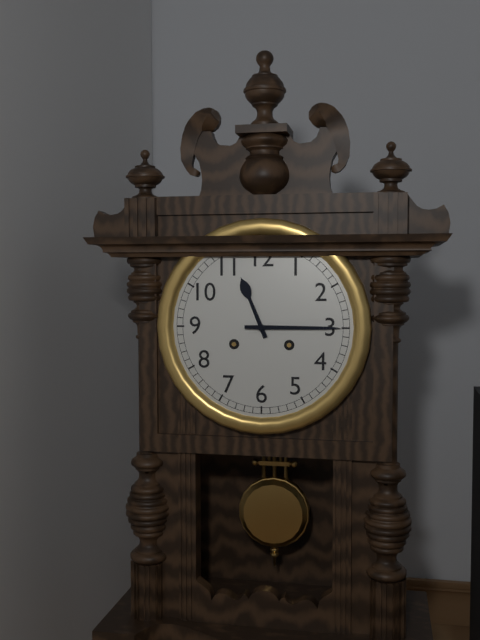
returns 11.15
